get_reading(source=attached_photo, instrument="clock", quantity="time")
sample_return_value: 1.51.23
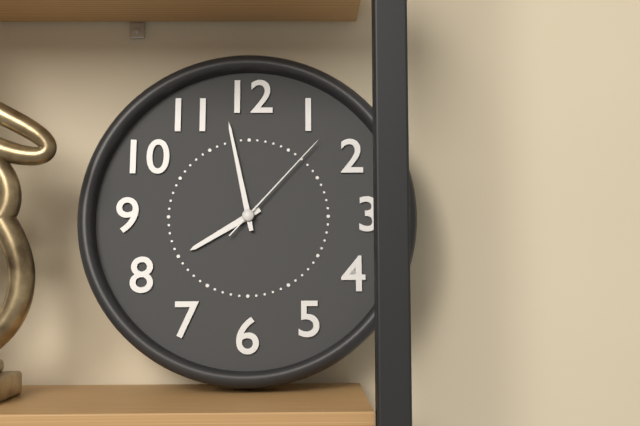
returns 7.58.07
